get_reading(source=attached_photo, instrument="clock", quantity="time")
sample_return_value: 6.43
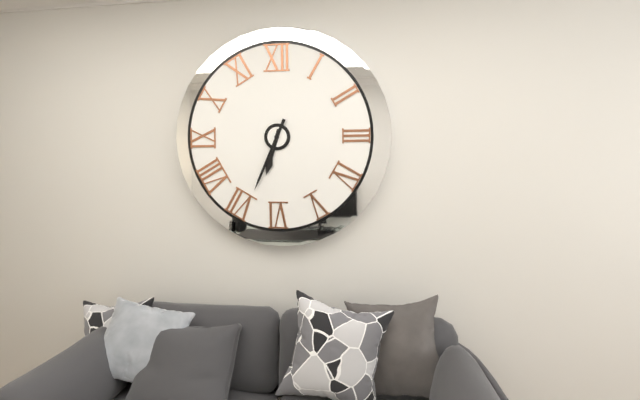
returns 6.34
